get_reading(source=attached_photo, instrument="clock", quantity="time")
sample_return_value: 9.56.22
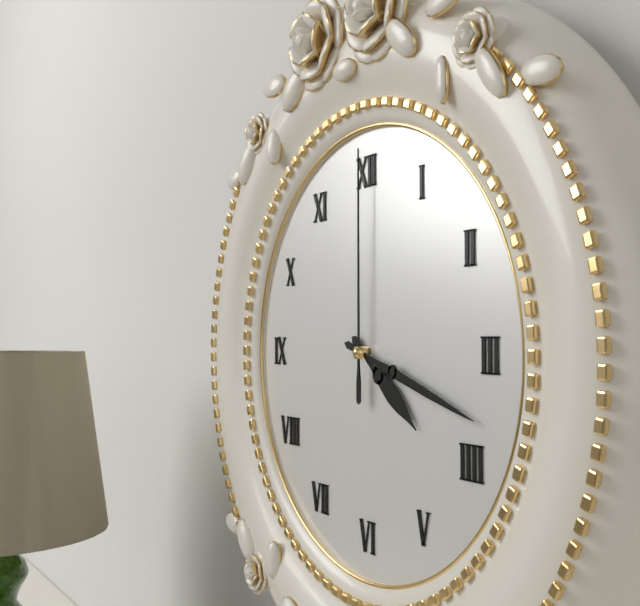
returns 4.18.00
